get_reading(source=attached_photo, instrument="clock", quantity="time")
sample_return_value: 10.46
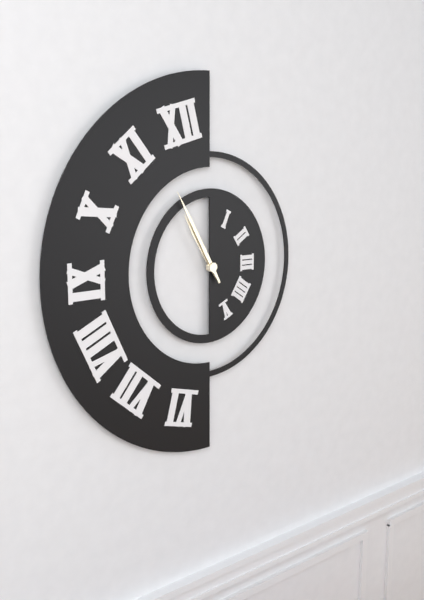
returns 10.55
